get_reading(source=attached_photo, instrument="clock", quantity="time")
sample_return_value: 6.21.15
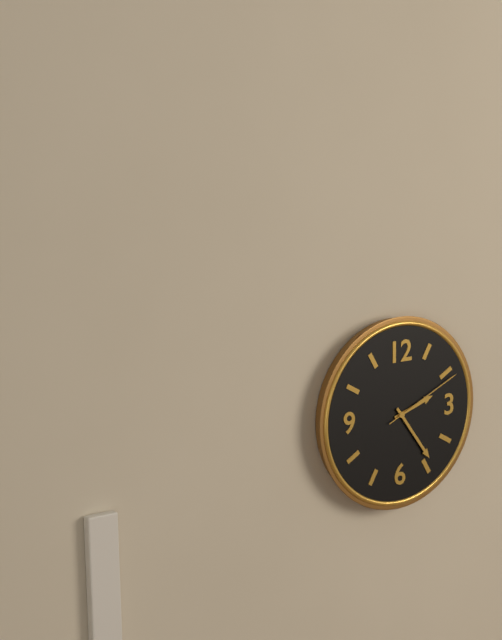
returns 2.24.11
